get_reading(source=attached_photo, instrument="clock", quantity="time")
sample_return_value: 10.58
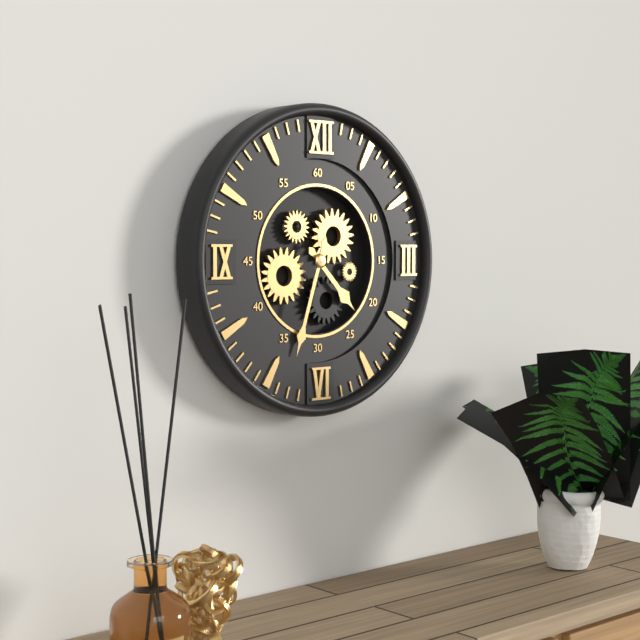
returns 4.33
